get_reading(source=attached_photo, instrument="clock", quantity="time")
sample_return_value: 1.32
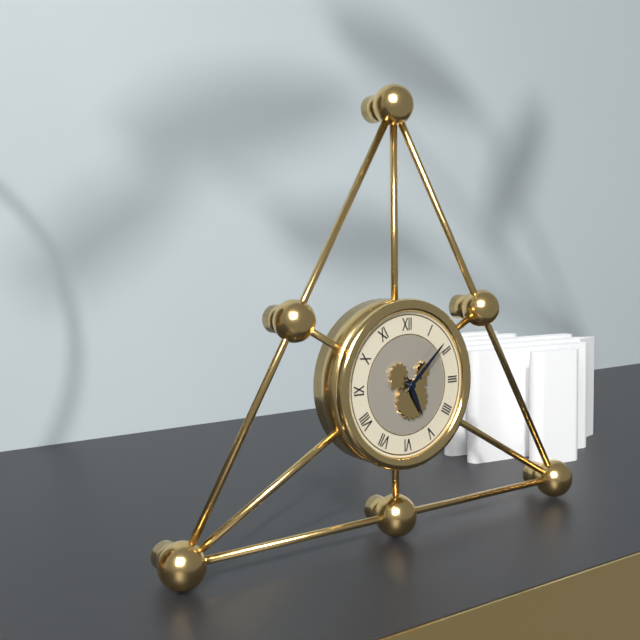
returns 5.08
